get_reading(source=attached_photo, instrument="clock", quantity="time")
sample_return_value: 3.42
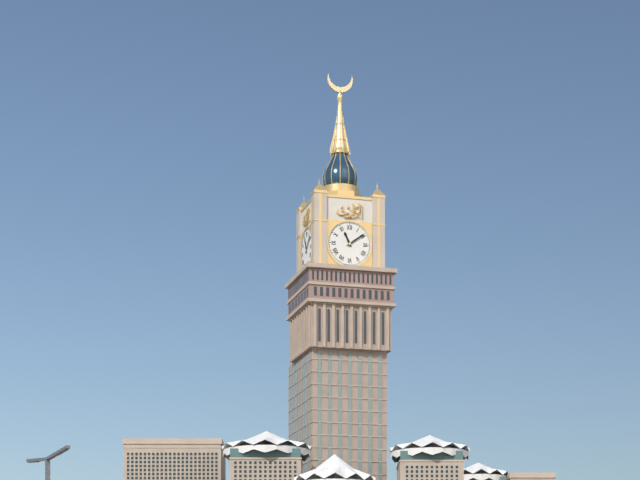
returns 11.09
